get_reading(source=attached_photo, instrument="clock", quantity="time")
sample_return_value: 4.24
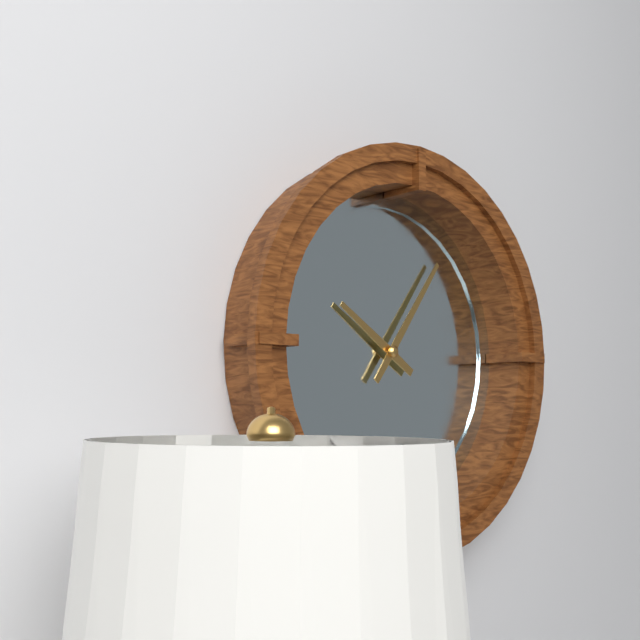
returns 10.06
